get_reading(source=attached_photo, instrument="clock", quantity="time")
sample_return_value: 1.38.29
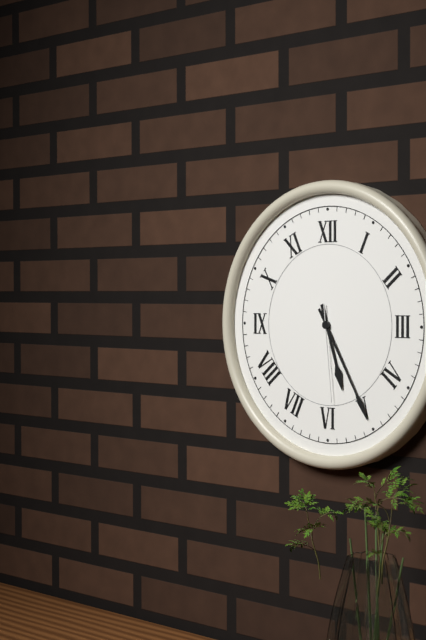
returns 5.25.29
